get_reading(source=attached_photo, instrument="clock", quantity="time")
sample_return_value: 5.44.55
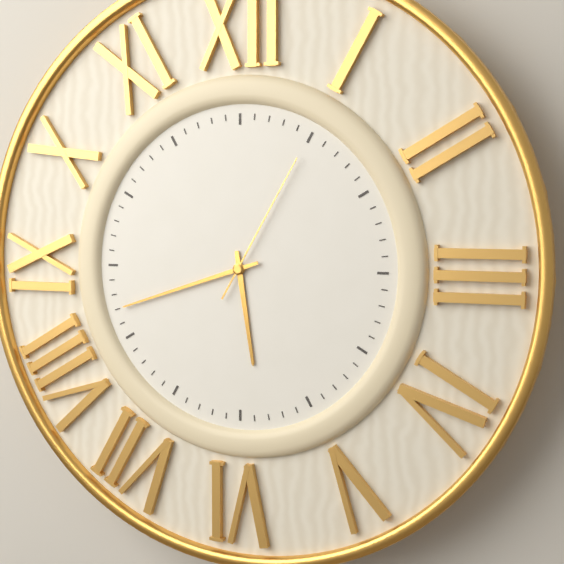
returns 5.42.05
